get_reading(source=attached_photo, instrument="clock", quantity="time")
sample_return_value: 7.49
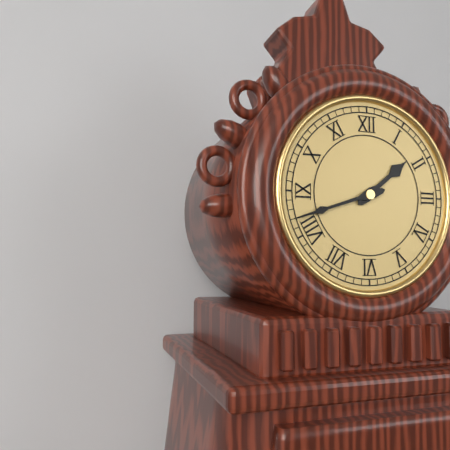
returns 1.42
